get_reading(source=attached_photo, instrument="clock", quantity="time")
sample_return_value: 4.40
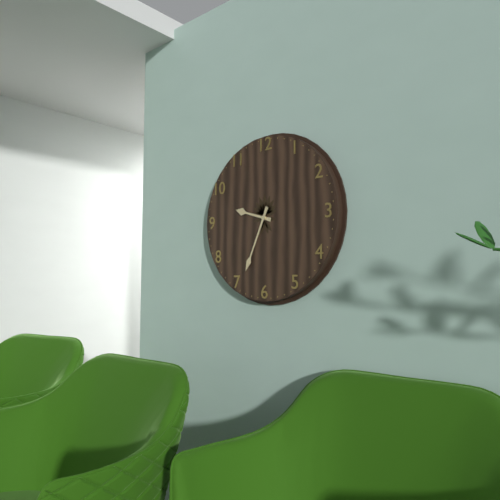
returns 9.34
